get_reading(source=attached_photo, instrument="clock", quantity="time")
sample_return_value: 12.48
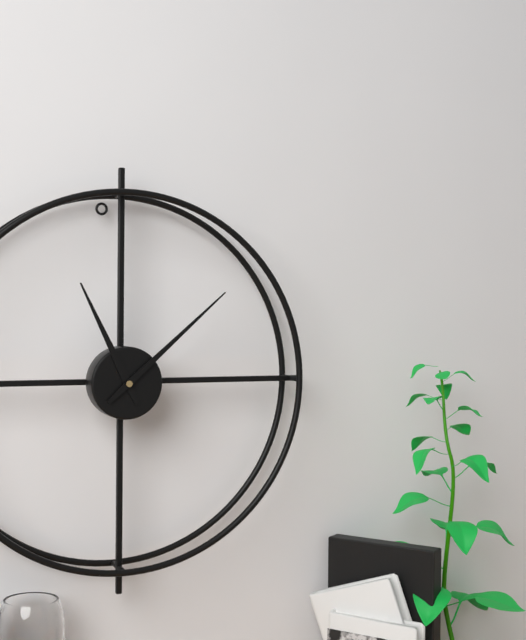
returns 11.08
